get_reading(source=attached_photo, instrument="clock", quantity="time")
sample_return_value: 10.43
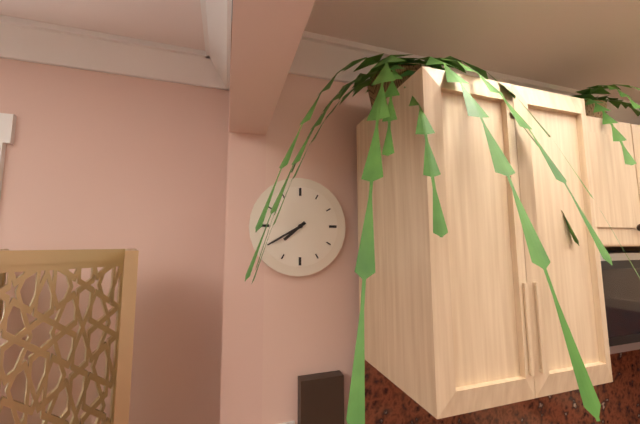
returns 7.40
